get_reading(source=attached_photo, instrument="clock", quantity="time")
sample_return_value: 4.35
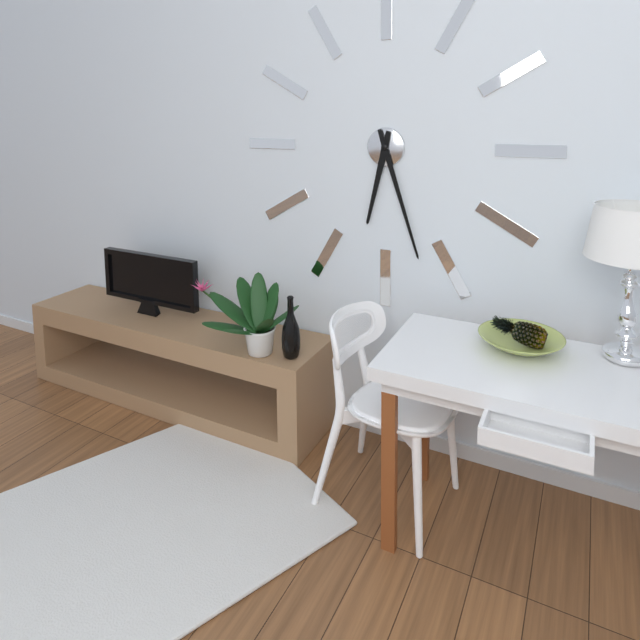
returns 6.27
